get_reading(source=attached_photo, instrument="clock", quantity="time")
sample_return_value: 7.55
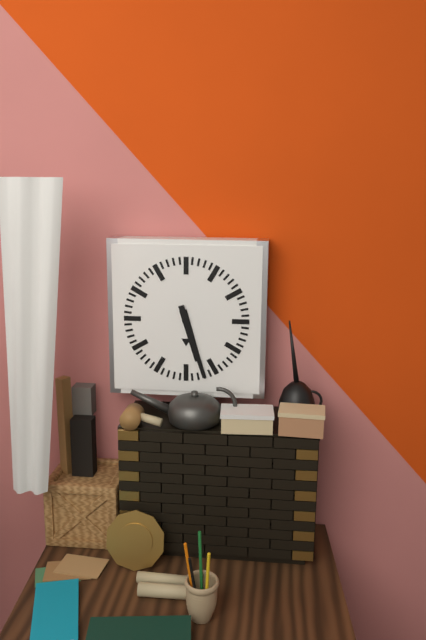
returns 5.27
